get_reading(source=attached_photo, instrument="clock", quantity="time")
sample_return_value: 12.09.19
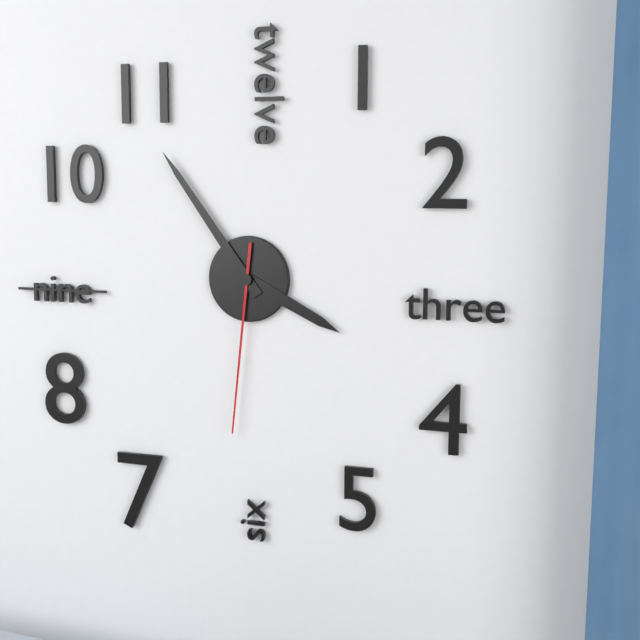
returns 3.54.31
